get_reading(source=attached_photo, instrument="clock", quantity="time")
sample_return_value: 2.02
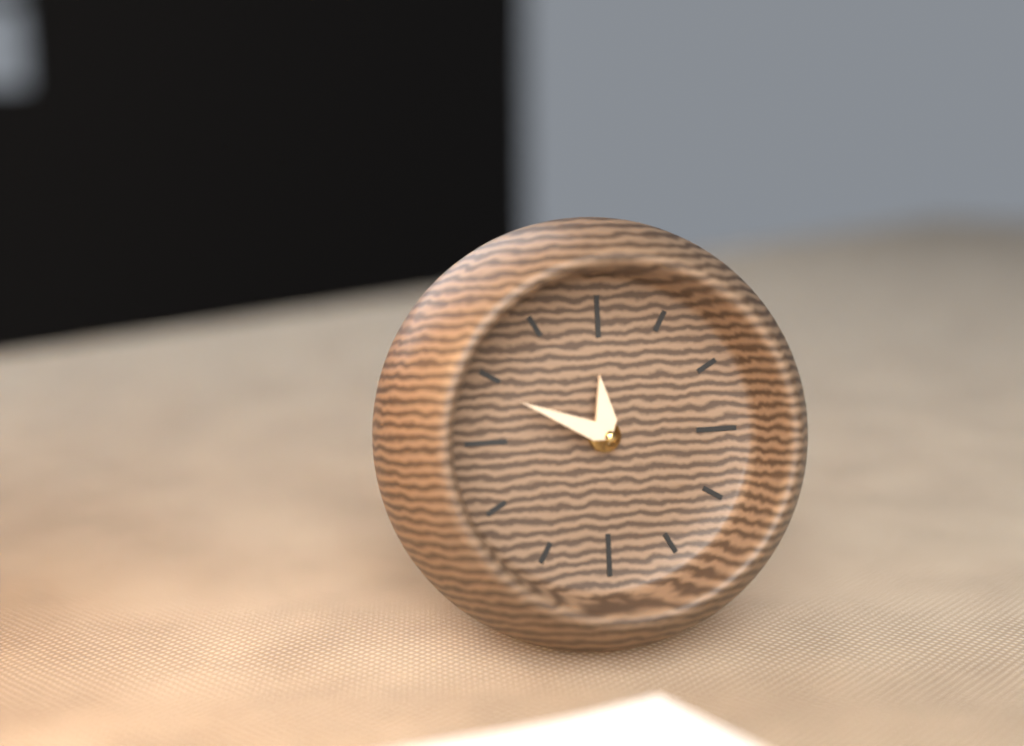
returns 11.49
